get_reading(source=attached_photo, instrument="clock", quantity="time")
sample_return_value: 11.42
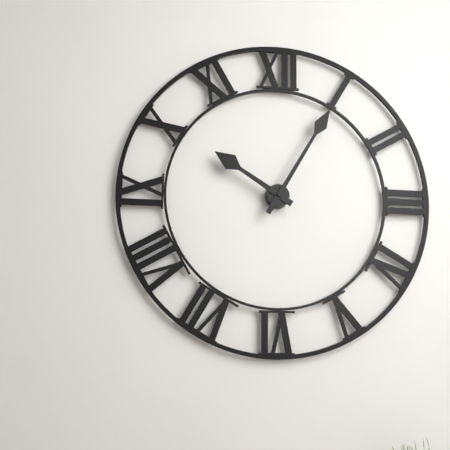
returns 10.05
